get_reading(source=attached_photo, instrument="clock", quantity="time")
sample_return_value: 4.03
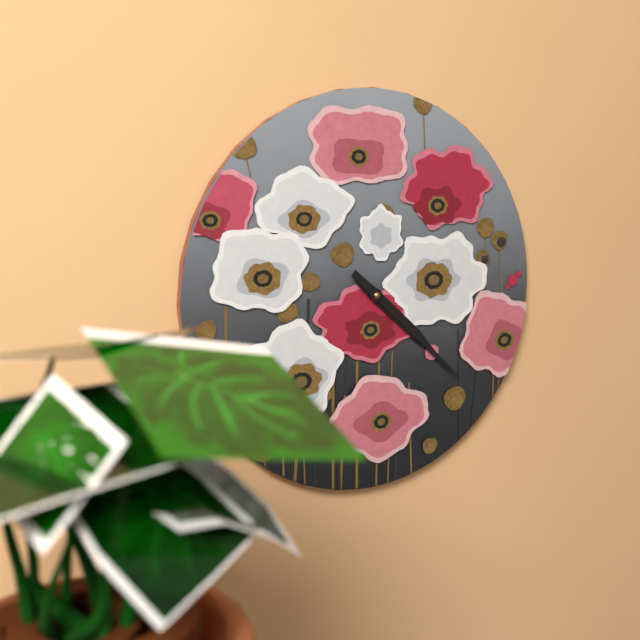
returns 4.22
